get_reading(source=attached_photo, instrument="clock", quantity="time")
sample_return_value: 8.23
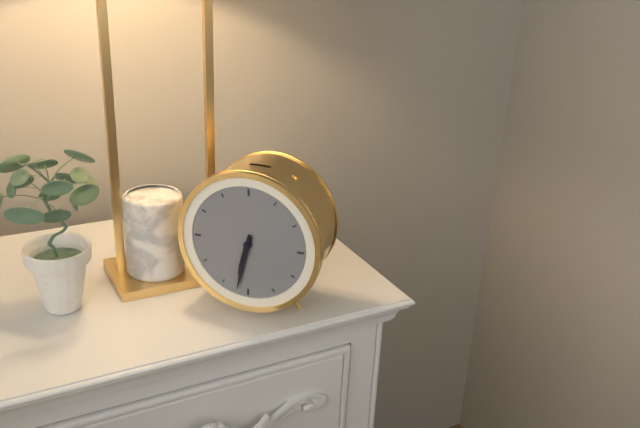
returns 6.32
